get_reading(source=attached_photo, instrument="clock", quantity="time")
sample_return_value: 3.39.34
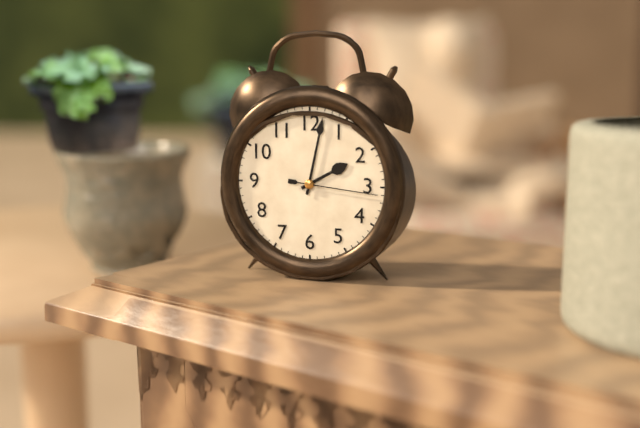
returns 2.02.16
